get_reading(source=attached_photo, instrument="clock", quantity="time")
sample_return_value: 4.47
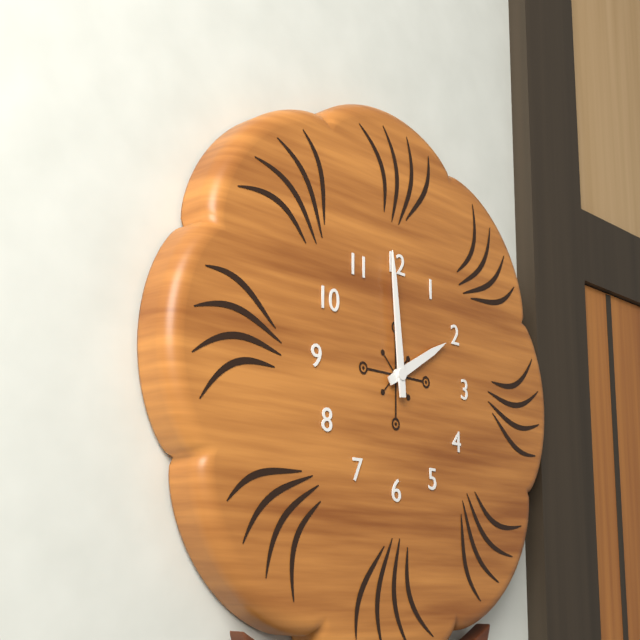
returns 1.59
